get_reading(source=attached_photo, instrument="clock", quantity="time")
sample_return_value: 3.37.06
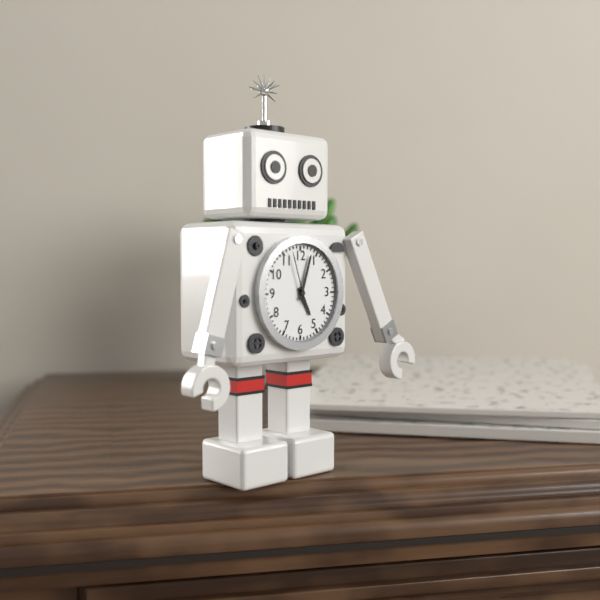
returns 5.03.57
